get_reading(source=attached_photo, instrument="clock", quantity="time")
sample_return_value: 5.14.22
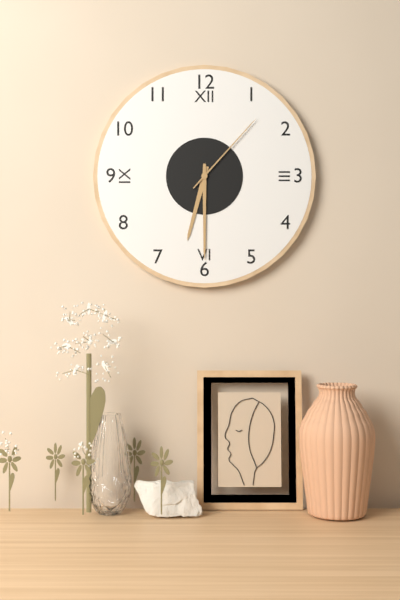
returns 6.30.07
